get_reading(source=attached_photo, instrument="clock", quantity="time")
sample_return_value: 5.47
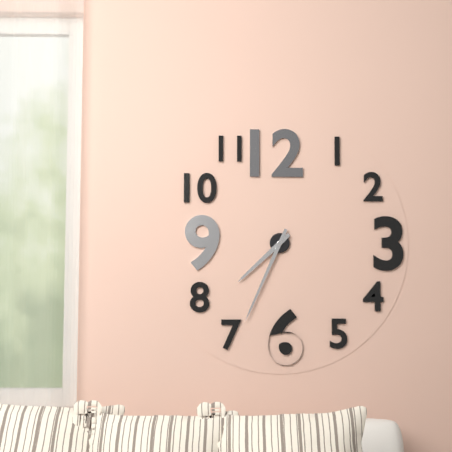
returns 7.34
